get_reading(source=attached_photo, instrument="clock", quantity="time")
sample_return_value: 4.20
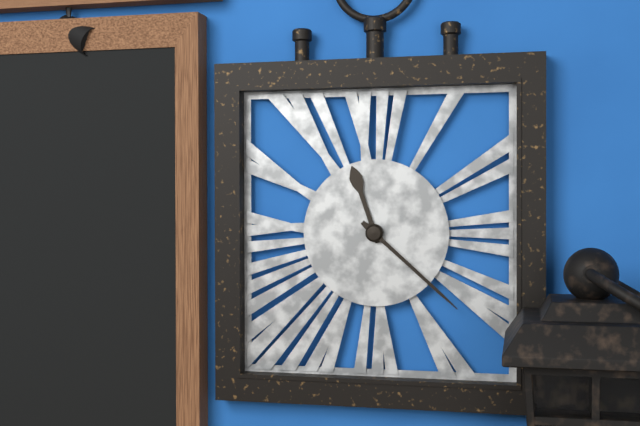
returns 11.22
